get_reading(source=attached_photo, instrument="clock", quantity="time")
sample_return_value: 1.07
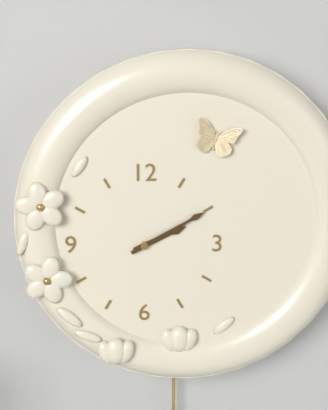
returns 2.10
